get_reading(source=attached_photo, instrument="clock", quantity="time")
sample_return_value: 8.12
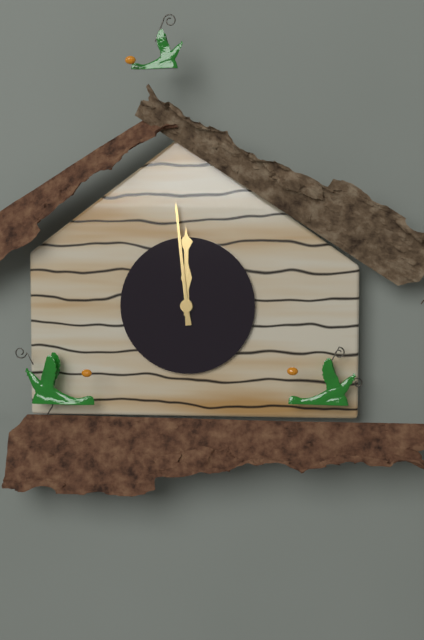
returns 11.59
